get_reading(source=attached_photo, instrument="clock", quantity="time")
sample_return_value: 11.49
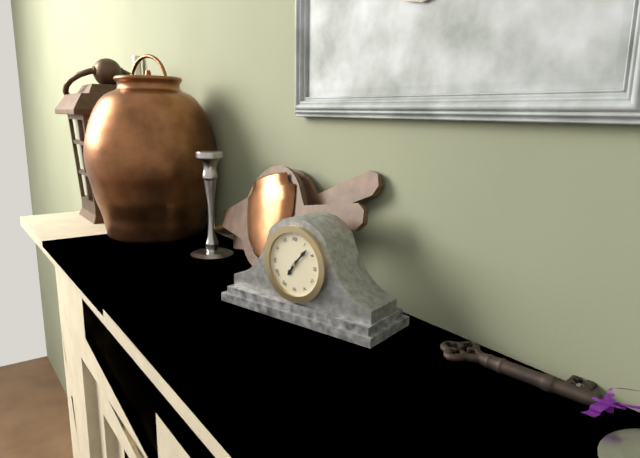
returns 7.07
